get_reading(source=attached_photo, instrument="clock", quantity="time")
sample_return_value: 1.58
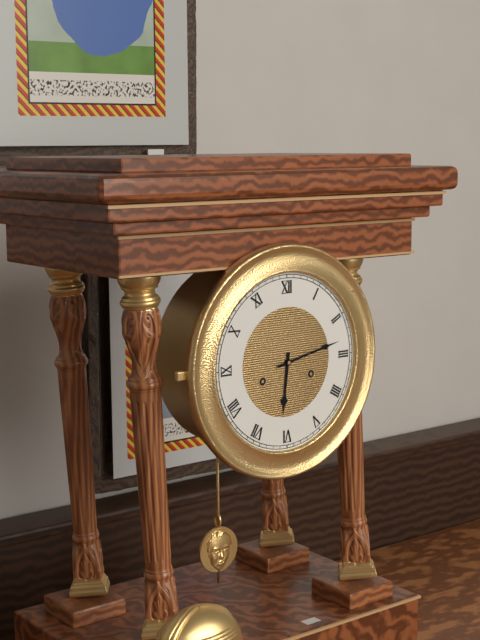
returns 6.13
